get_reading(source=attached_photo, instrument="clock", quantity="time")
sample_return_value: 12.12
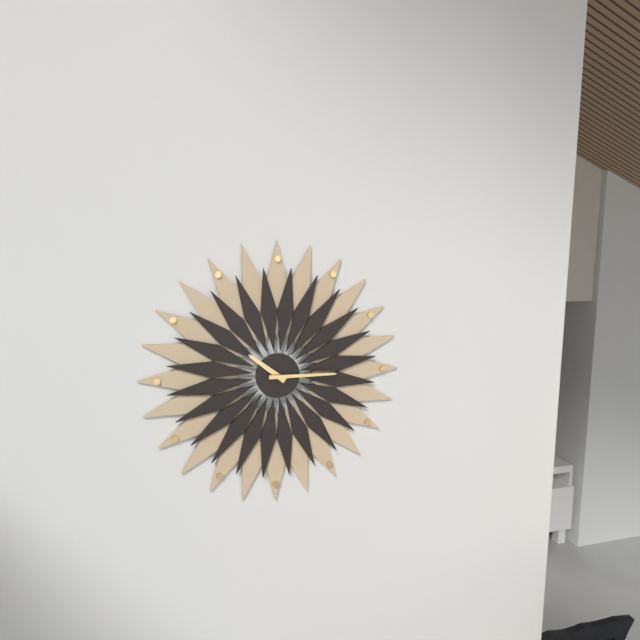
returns 10.15
